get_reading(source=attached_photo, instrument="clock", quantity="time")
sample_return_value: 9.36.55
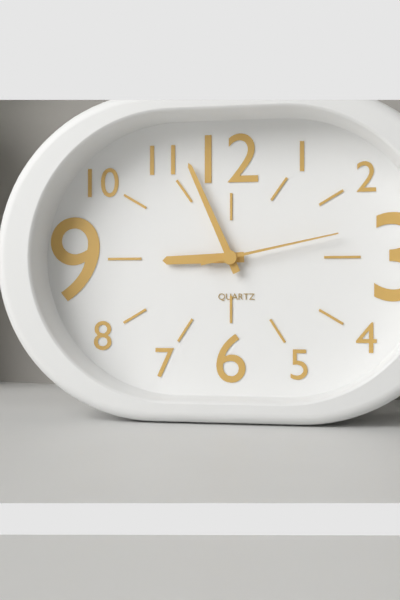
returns 8.56.13
